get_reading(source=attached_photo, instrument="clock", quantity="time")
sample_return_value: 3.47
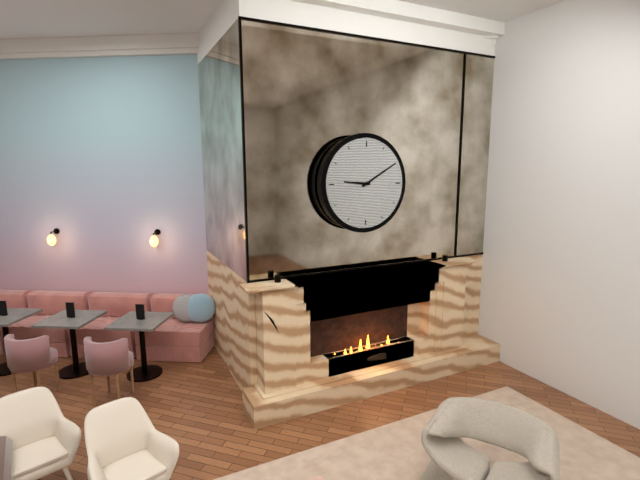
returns 9.10
